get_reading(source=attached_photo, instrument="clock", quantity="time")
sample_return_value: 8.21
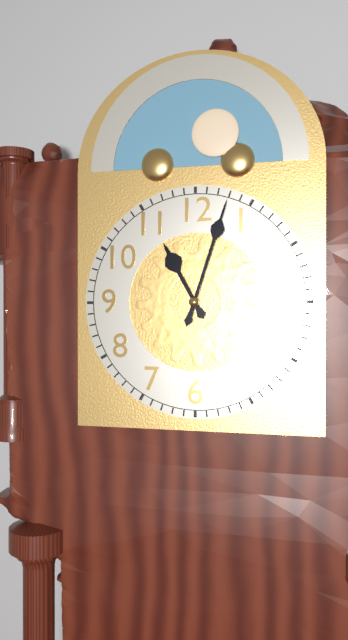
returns 11.03
